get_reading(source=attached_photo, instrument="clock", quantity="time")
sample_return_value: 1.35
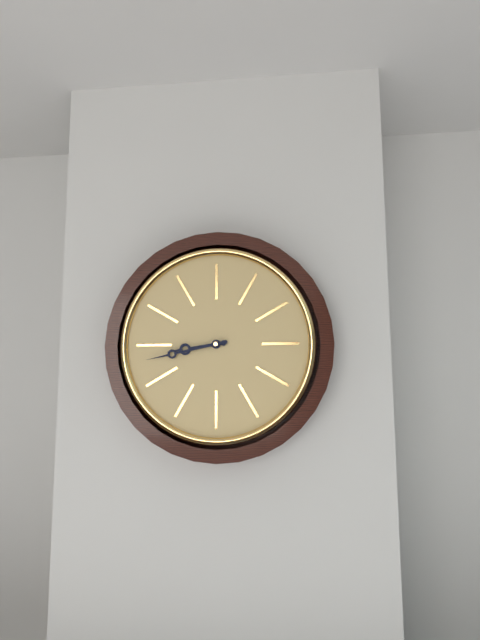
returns 8.43
